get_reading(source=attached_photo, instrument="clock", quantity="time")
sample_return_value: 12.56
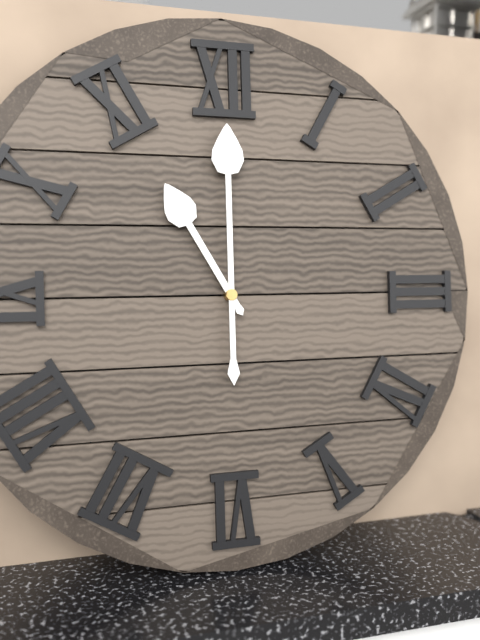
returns 11.00
